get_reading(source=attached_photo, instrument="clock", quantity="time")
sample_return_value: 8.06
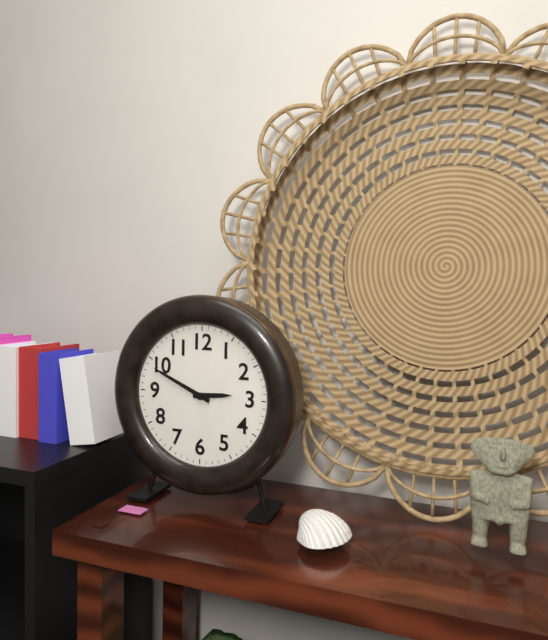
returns 2.49
